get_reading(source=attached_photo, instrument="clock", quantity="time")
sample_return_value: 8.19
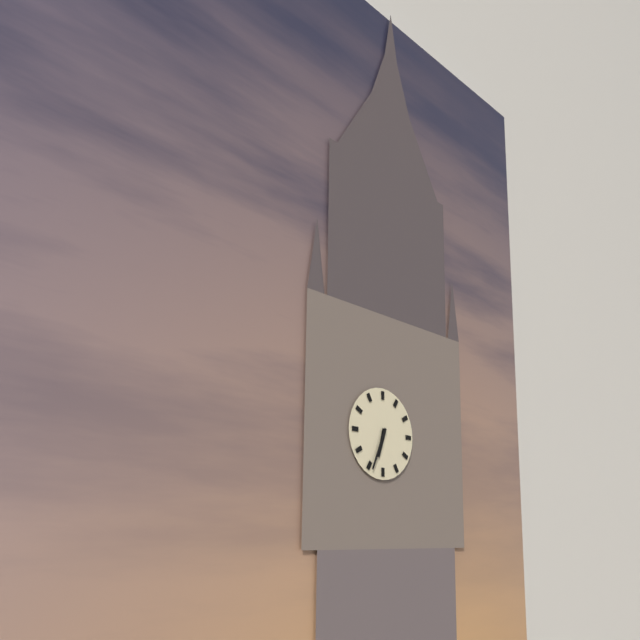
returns 6.34
